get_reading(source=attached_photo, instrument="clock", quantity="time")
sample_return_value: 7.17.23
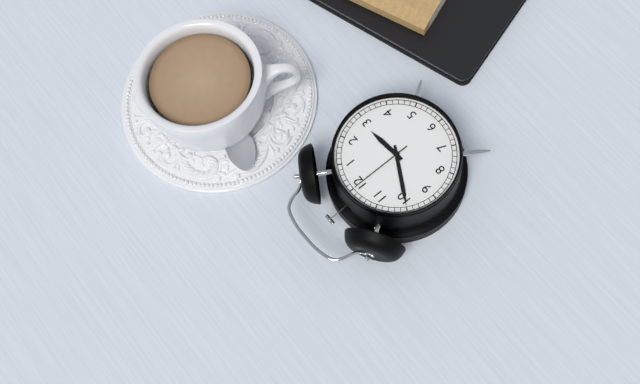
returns 2.50.00
